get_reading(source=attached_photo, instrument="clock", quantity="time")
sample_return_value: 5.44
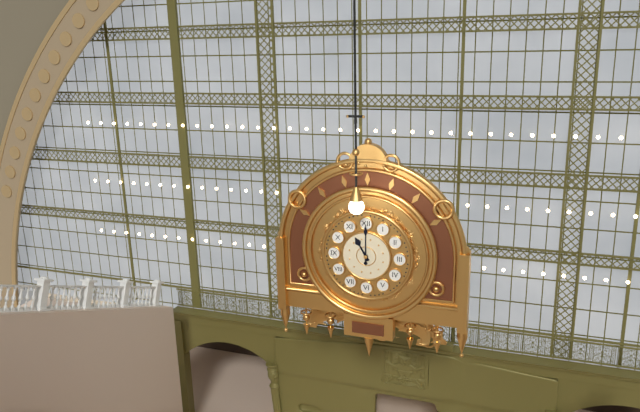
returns 11.00
